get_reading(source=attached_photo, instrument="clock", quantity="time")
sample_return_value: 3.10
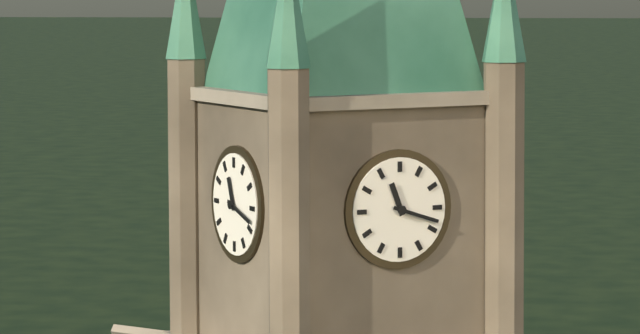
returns 11.18
